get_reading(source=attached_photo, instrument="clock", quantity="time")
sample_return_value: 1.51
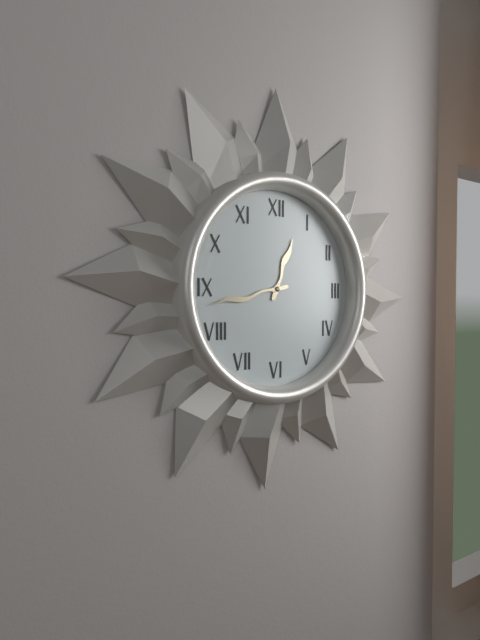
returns 12.43
